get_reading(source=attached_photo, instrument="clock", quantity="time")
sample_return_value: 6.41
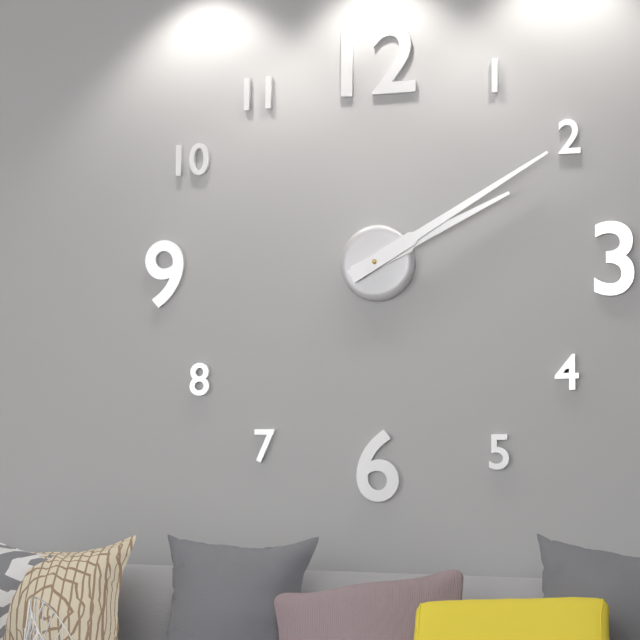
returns 2.10
